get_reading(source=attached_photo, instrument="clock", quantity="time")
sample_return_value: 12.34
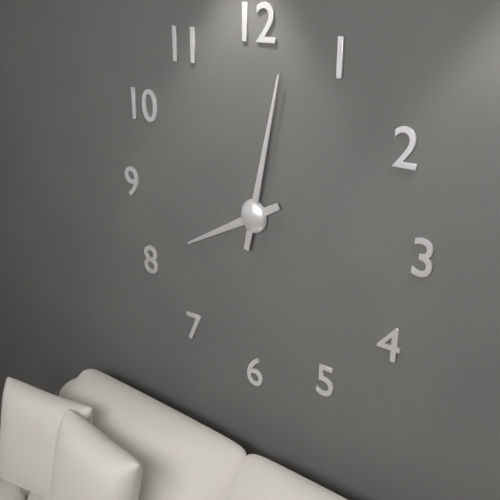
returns 8.02
